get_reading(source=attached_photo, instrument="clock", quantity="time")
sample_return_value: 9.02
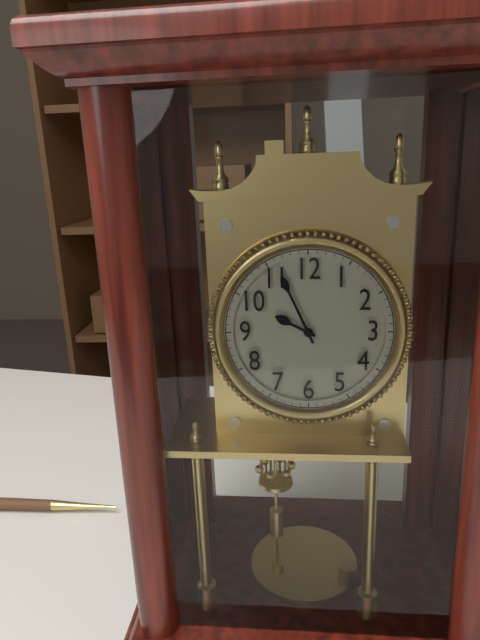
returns 9.56
